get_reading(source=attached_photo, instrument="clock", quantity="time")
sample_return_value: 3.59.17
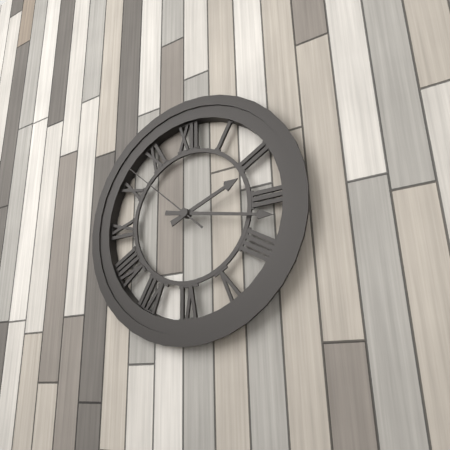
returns 2.17.52
